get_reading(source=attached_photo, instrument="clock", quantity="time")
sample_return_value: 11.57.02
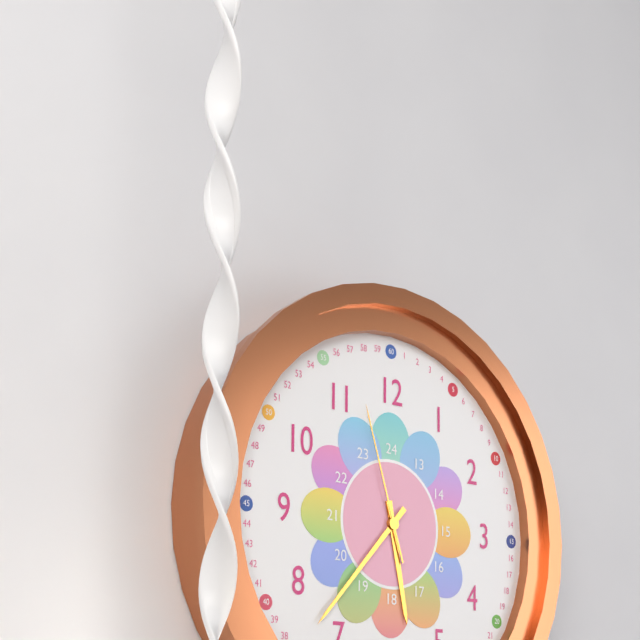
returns 5.37.57
